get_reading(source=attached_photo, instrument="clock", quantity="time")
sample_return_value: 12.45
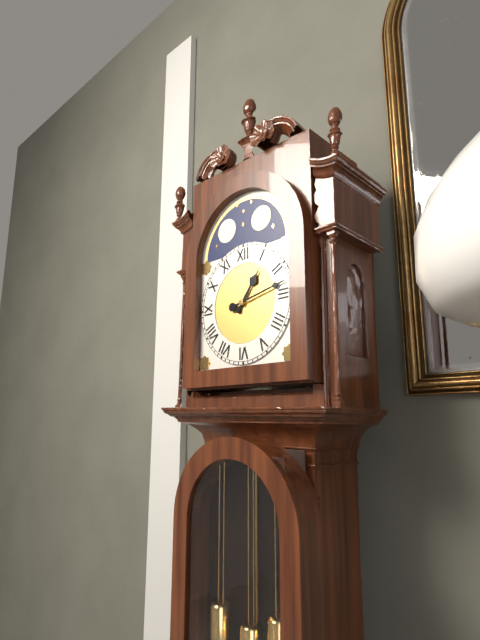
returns 1.13
